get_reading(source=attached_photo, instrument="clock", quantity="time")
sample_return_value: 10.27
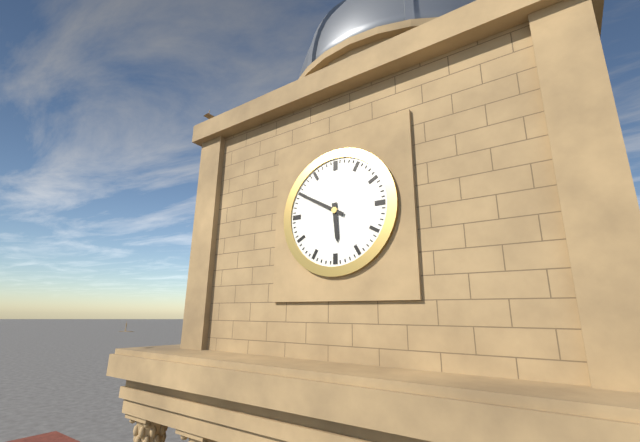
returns 5.50
